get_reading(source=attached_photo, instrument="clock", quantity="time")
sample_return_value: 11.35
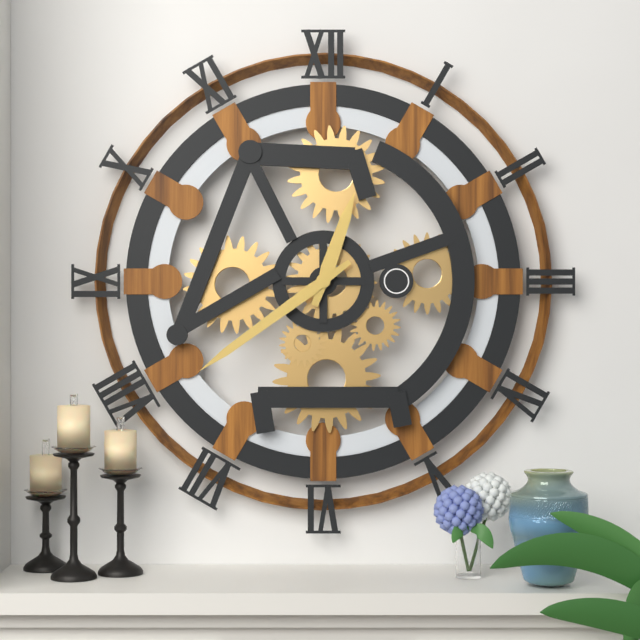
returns 12.39
